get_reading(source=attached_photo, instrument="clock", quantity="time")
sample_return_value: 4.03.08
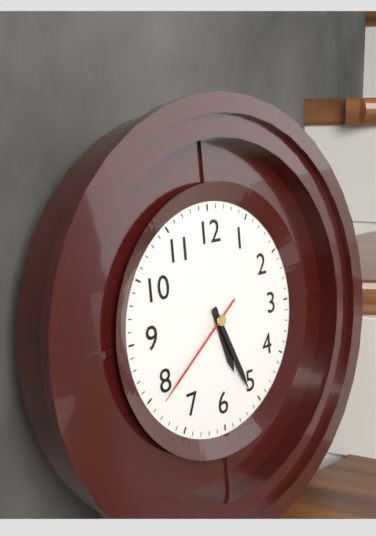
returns 5.26.39
